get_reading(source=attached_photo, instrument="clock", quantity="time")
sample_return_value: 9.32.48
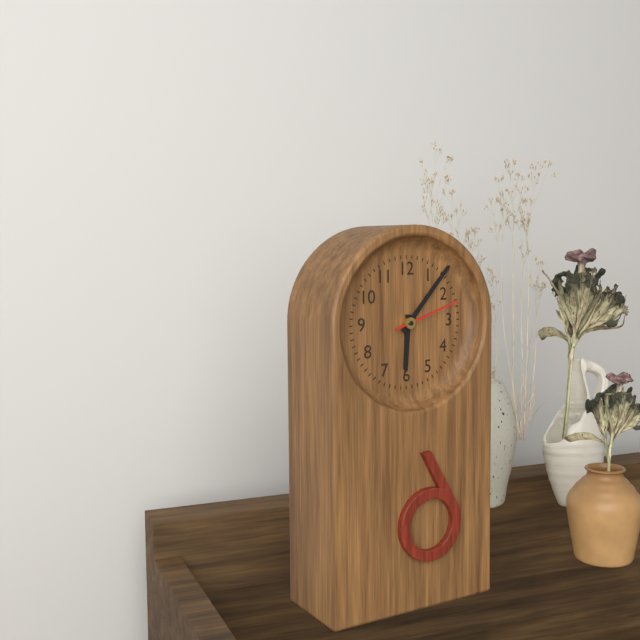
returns 6.07.12
